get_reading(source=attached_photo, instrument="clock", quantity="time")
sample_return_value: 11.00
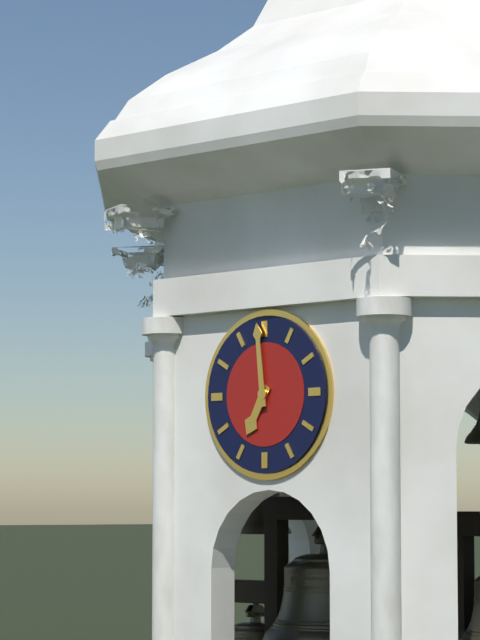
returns 6.59
